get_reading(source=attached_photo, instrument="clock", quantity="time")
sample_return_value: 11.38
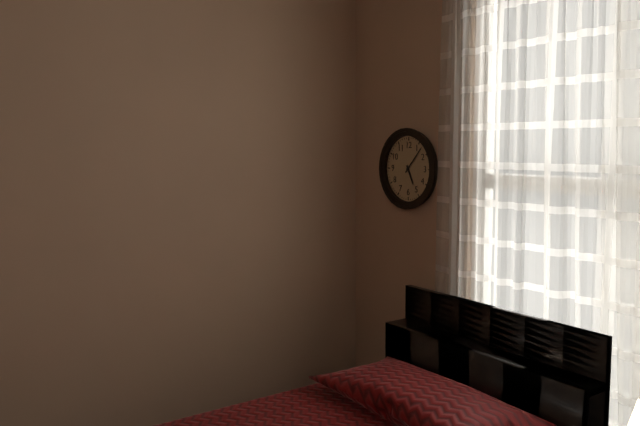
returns 5.07
